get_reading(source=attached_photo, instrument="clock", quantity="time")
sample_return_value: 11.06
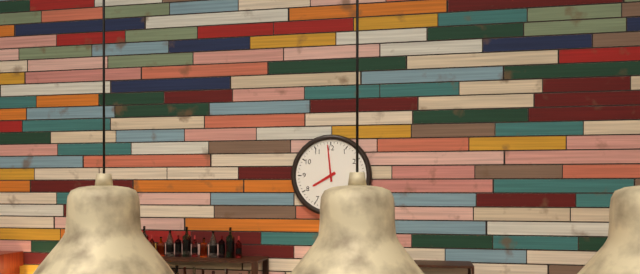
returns 7.59
